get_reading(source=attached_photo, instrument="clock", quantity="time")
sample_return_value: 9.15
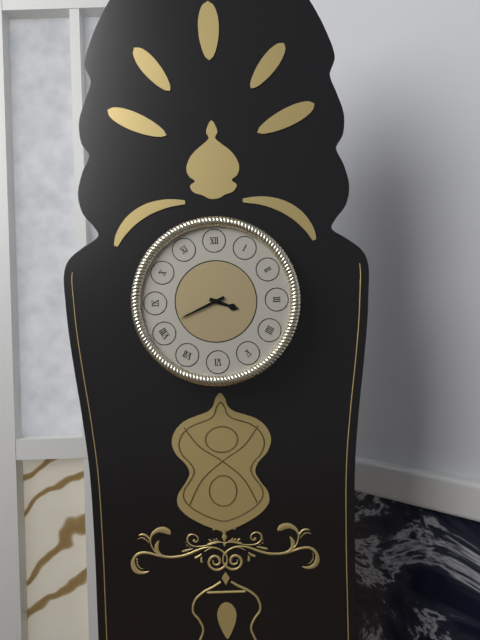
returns 3.41
